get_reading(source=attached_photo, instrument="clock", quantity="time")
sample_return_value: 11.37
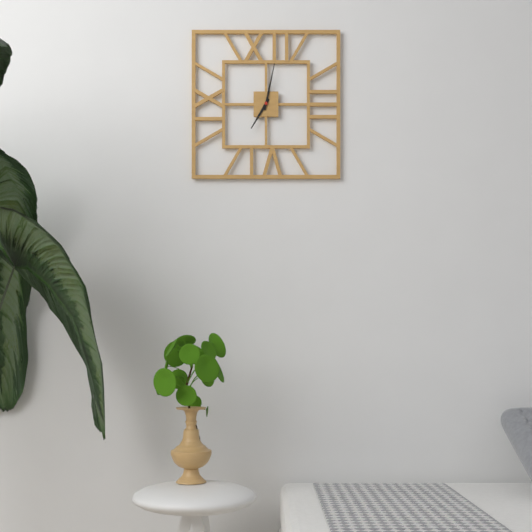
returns 7.02
